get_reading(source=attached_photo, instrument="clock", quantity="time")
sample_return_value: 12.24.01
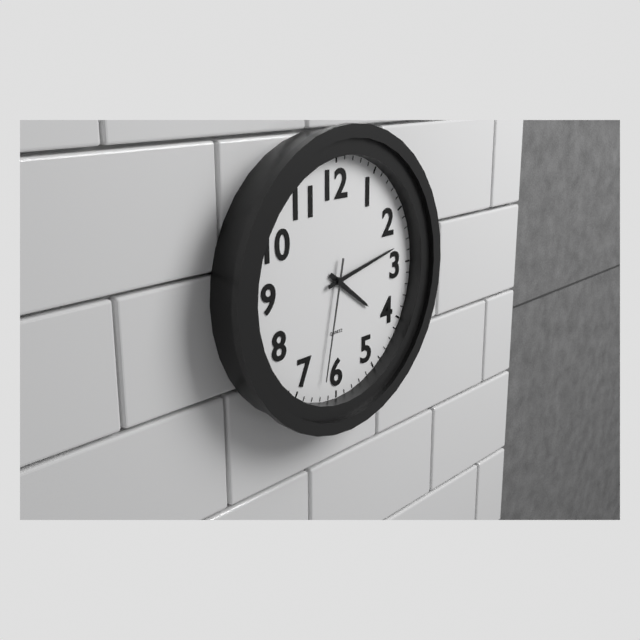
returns 4.13.32
